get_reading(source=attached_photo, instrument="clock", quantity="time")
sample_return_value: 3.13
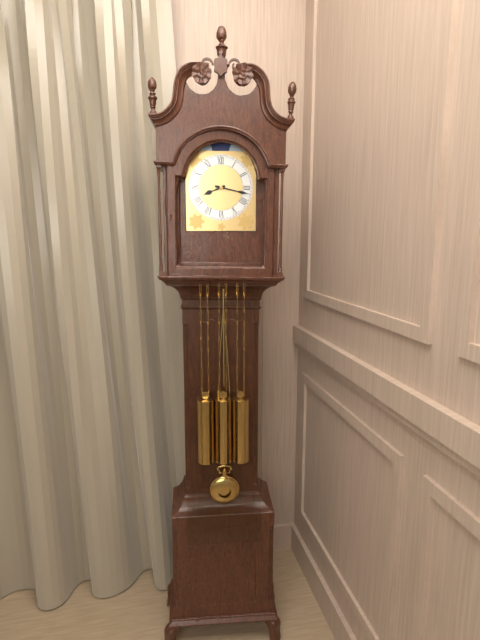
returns 8.17
